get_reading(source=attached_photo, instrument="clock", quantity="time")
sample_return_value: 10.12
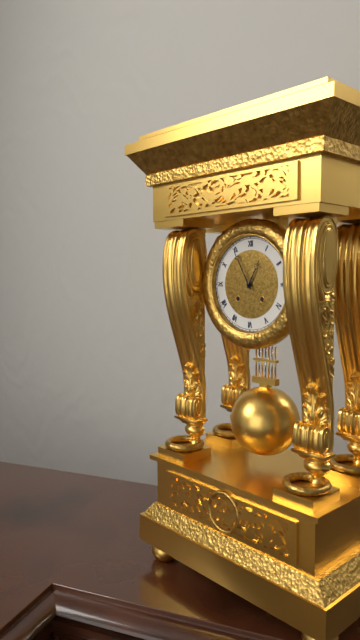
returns 12.55
